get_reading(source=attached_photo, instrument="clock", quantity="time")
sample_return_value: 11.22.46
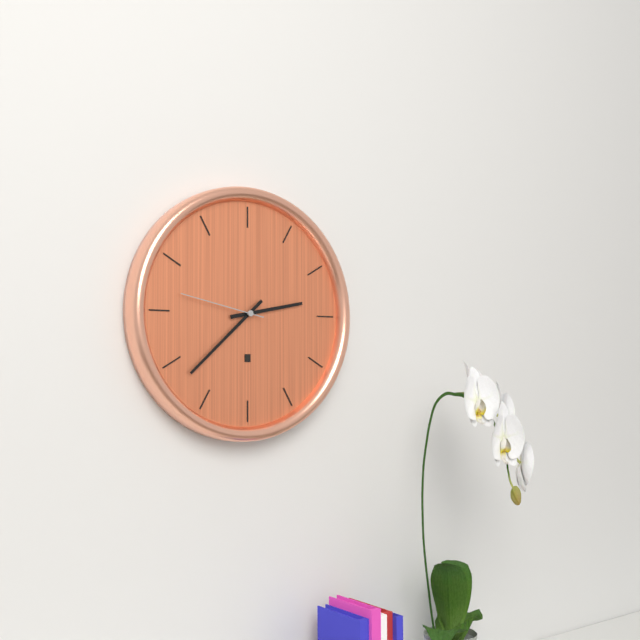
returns 2.38.47
